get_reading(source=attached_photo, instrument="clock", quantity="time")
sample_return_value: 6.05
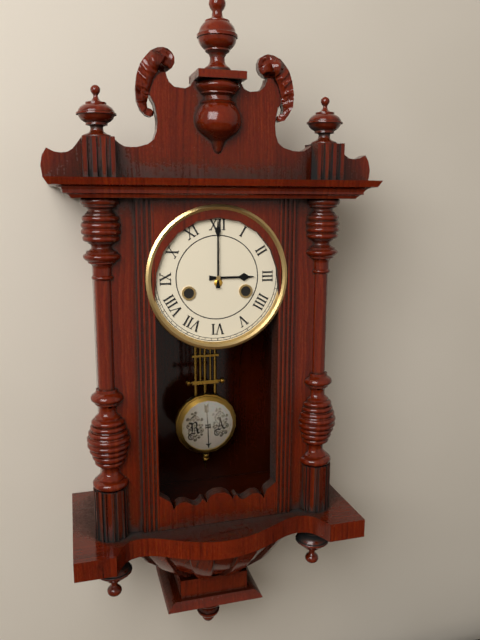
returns 3.00
